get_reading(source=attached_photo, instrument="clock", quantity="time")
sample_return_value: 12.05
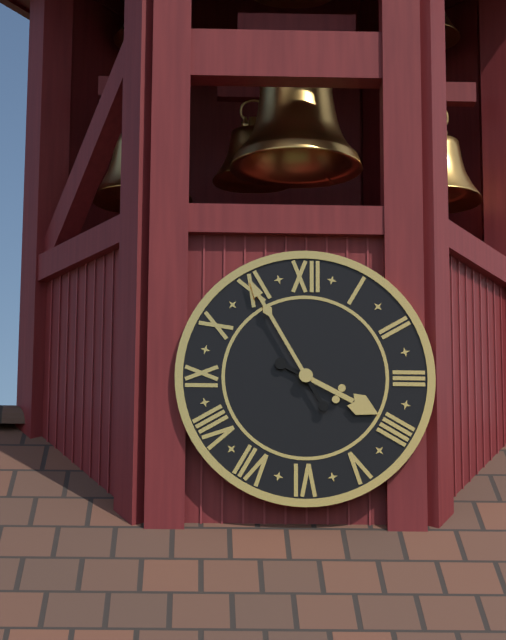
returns 3.55
